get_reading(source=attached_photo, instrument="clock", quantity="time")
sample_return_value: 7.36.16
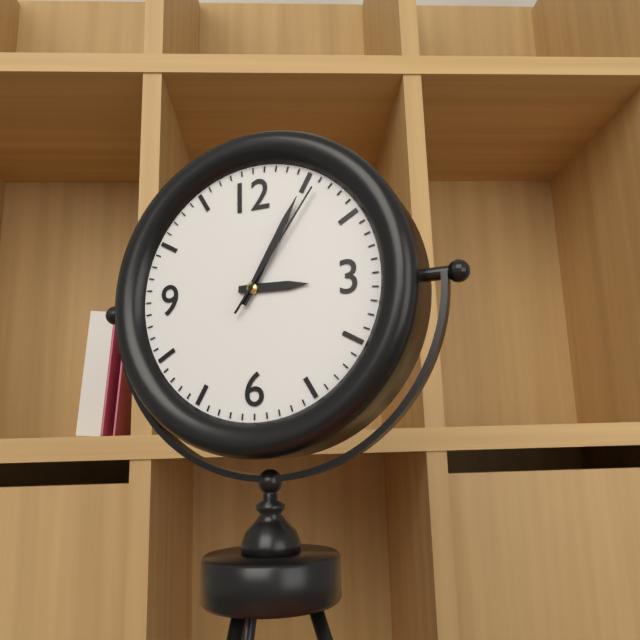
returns 3.05.06
